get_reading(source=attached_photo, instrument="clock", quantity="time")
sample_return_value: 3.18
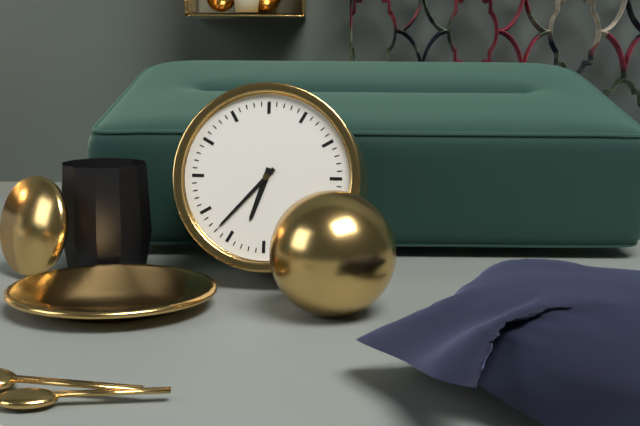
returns 6.37
